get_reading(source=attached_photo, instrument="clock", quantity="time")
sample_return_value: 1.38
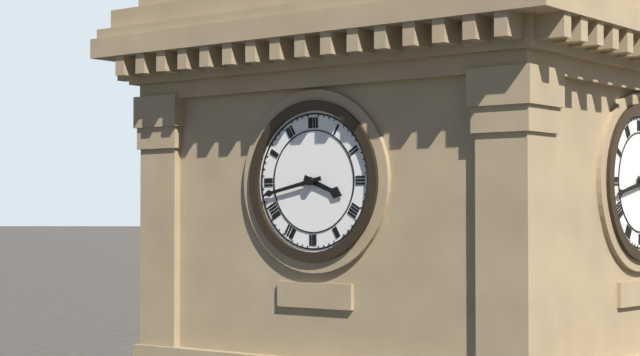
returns 3.43
